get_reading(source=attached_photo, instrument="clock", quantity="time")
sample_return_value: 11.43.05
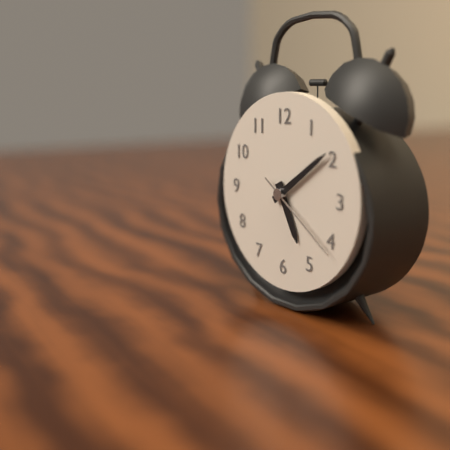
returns 5.09.21
